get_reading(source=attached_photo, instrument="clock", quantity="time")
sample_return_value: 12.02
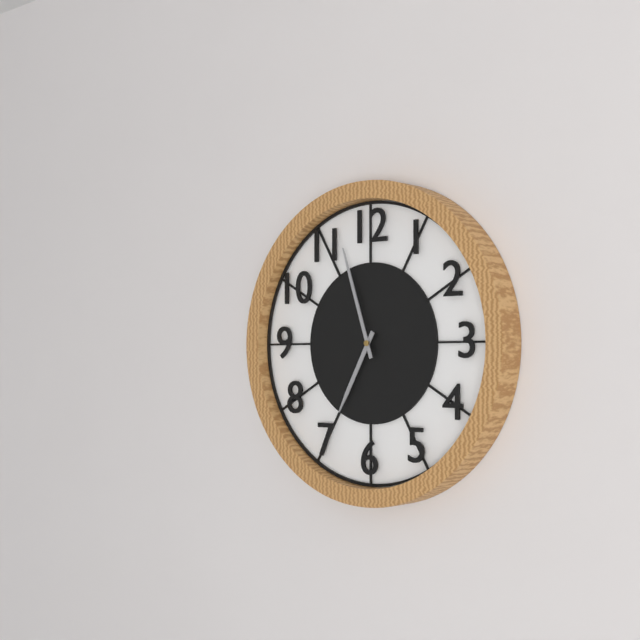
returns 6.57
